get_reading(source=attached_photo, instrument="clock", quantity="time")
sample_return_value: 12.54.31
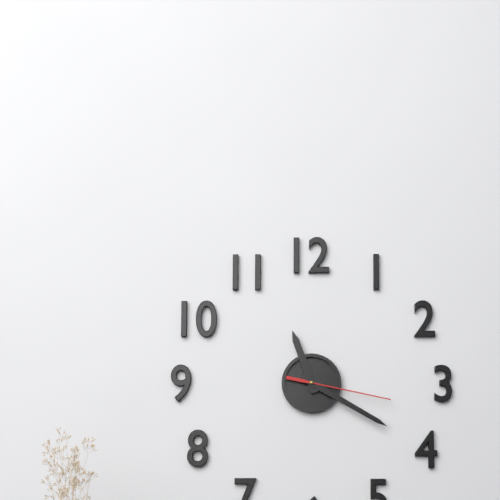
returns 11.20.17
